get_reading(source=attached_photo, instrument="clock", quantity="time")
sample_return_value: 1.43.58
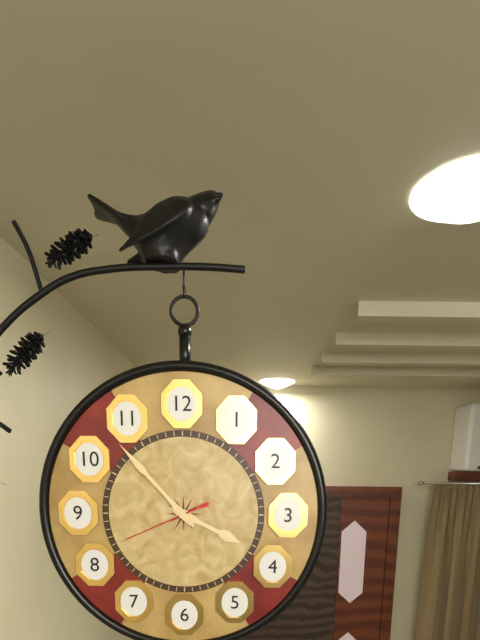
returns 3.53.41
